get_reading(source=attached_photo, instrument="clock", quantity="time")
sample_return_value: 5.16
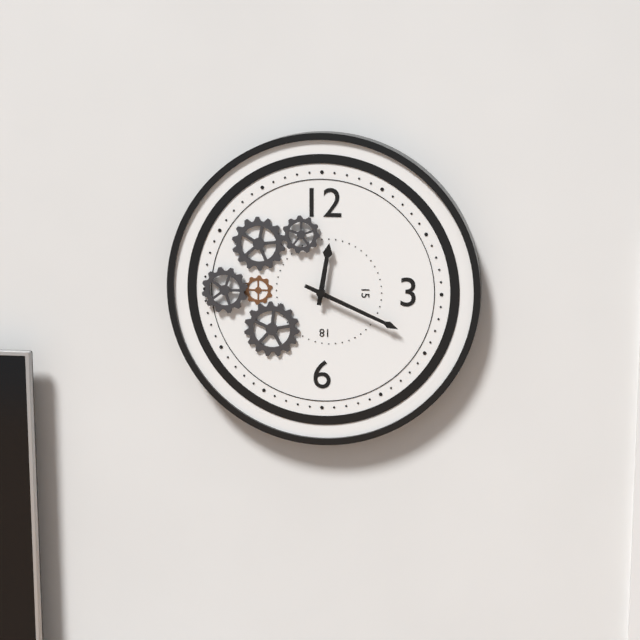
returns 12.19
